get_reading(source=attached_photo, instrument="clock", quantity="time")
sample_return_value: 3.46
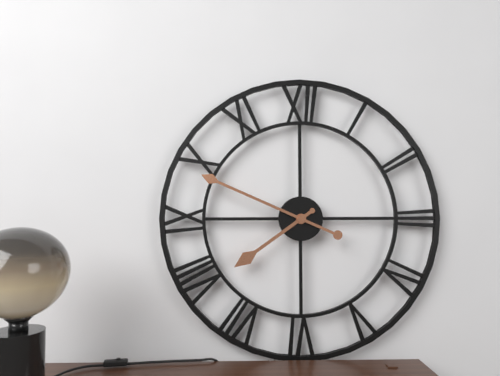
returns 7.49
